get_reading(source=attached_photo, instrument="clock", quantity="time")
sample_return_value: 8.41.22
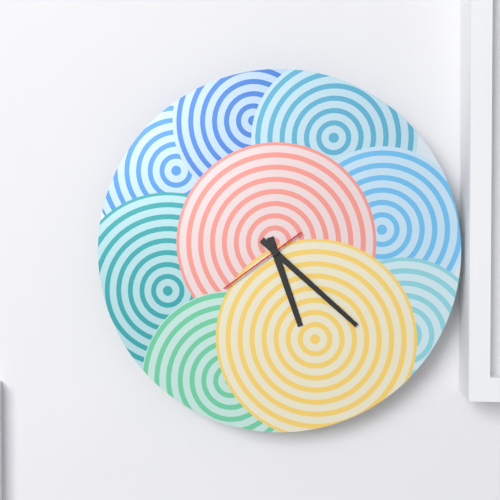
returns 5.22.39
